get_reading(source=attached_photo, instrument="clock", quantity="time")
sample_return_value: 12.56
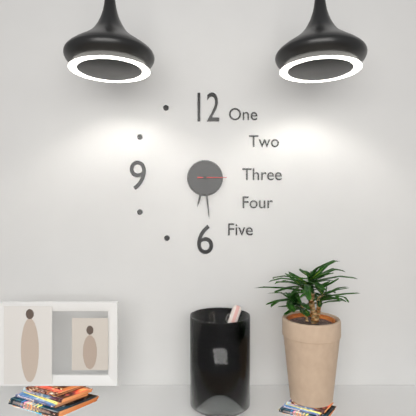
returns 6.29
